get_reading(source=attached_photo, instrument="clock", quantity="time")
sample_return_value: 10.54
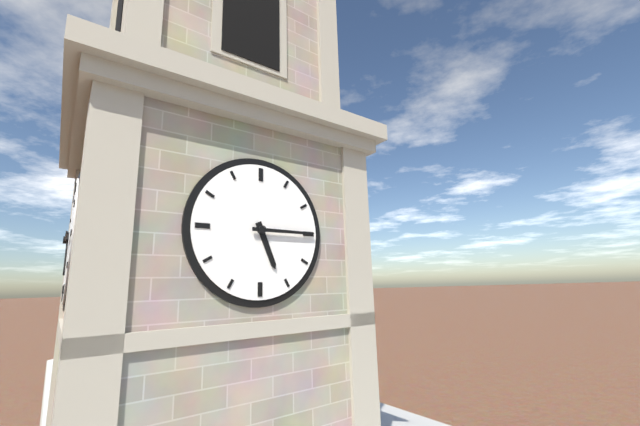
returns 5.15
